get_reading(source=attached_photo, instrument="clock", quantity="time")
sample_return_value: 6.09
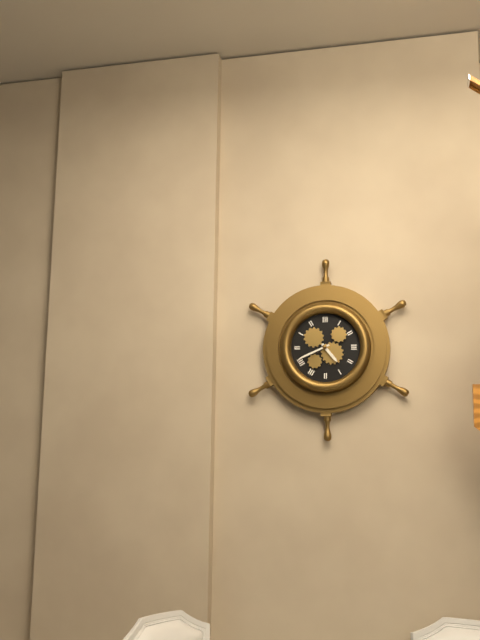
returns 4.41
